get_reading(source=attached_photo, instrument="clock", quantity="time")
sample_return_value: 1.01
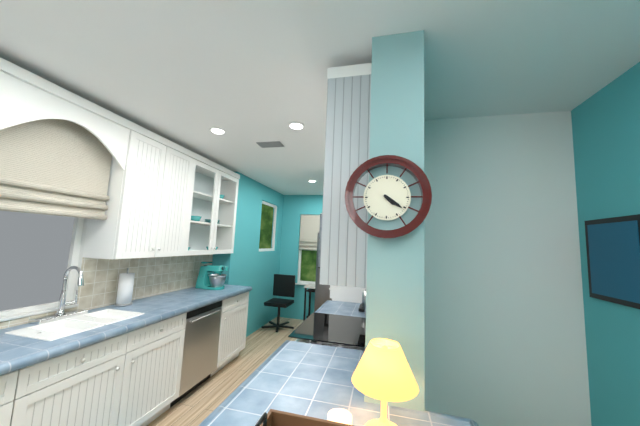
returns 4.21
